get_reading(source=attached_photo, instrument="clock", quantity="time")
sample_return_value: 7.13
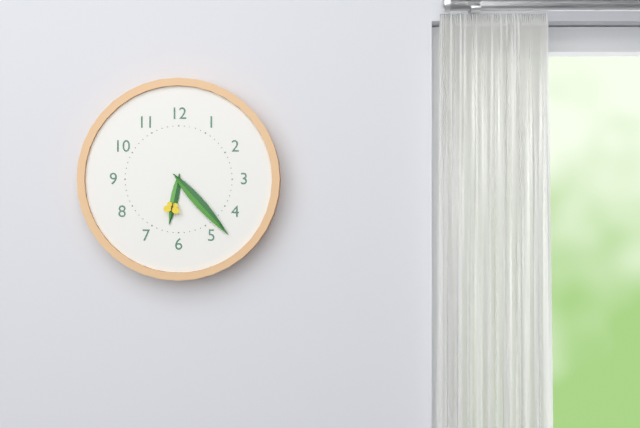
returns 6.23
